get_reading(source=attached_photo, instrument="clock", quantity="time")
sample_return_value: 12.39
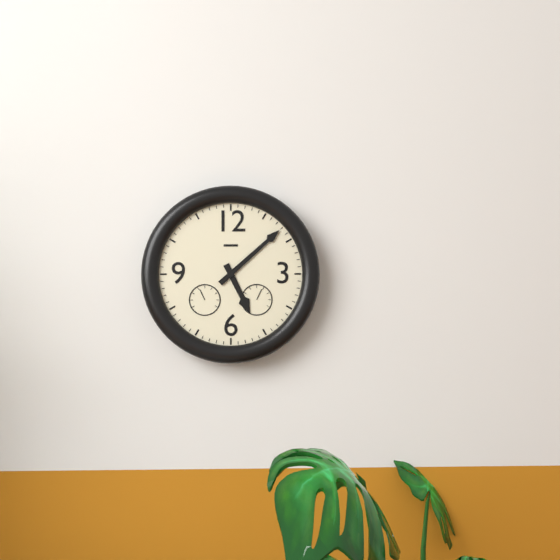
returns 5.08
